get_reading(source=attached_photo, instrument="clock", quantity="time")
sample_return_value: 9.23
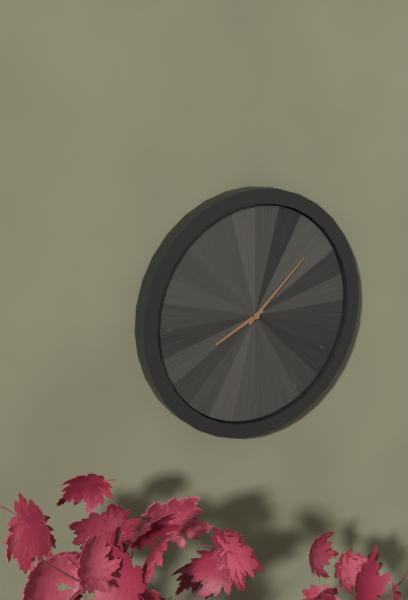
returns 8.08
